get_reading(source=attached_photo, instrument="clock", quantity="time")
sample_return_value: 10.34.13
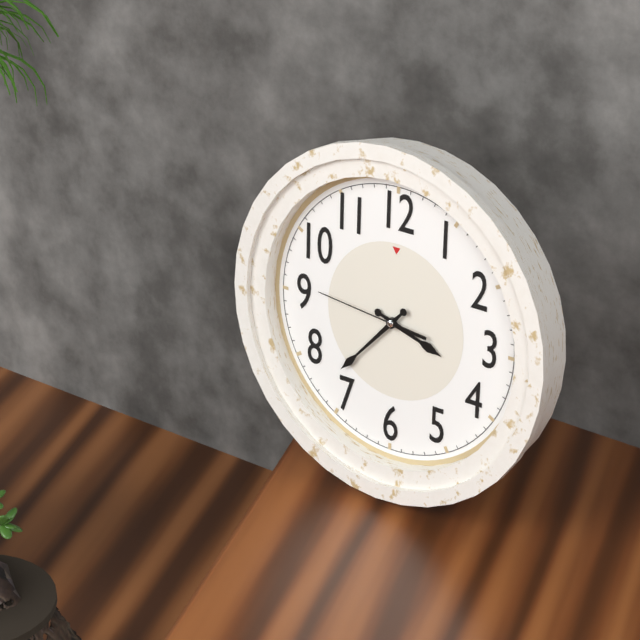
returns 3.37.46
